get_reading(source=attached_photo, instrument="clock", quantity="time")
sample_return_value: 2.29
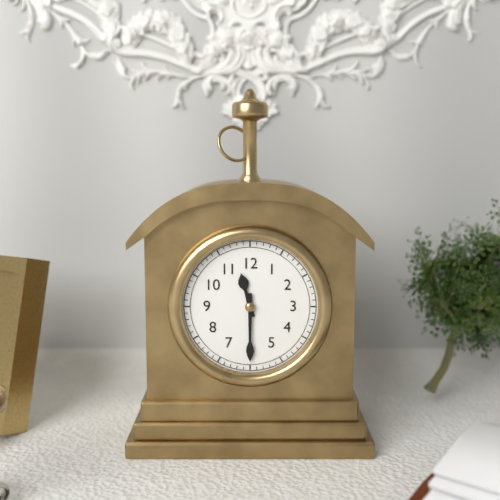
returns 11.30
